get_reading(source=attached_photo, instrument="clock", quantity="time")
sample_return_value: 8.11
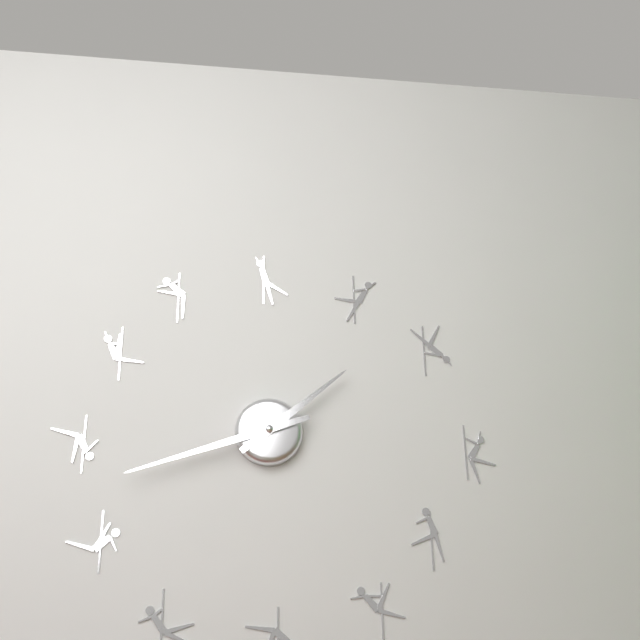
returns 1.42
